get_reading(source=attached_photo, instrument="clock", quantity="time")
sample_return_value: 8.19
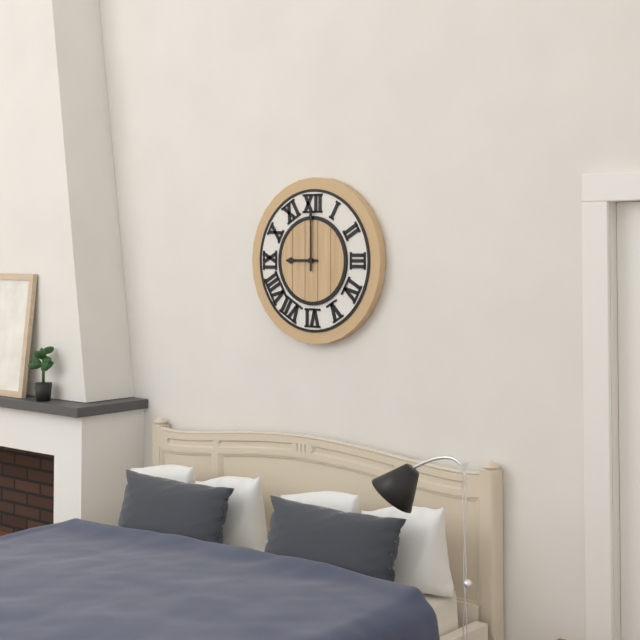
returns 9.00
